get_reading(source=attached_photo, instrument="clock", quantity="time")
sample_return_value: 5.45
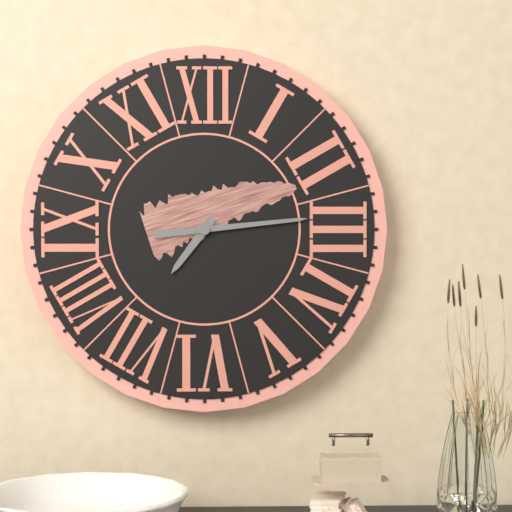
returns 7.14
